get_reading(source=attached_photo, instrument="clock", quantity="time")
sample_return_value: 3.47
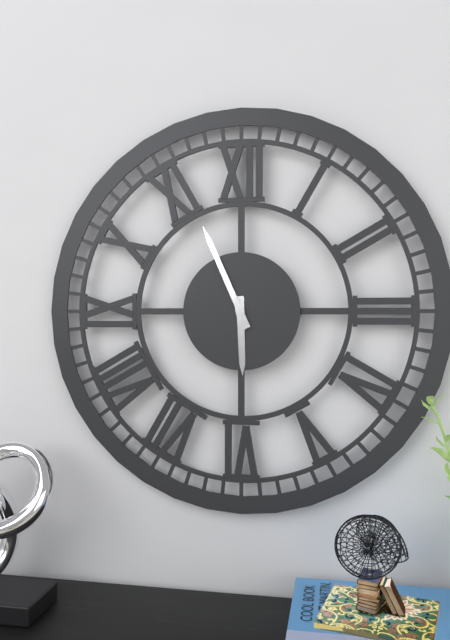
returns 5.56
